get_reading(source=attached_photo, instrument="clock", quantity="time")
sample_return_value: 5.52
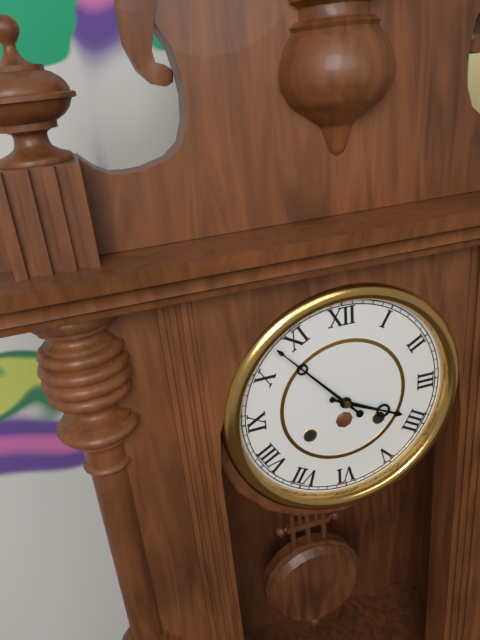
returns 3.53
